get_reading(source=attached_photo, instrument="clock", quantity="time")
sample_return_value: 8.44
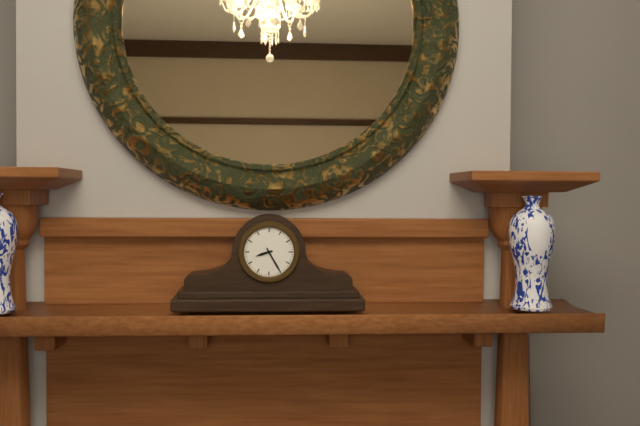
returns 8.25
